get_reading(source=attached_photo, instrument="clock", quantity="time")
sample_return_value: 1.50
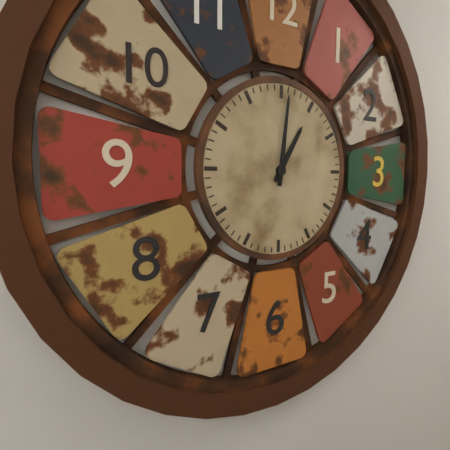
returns 1.01
